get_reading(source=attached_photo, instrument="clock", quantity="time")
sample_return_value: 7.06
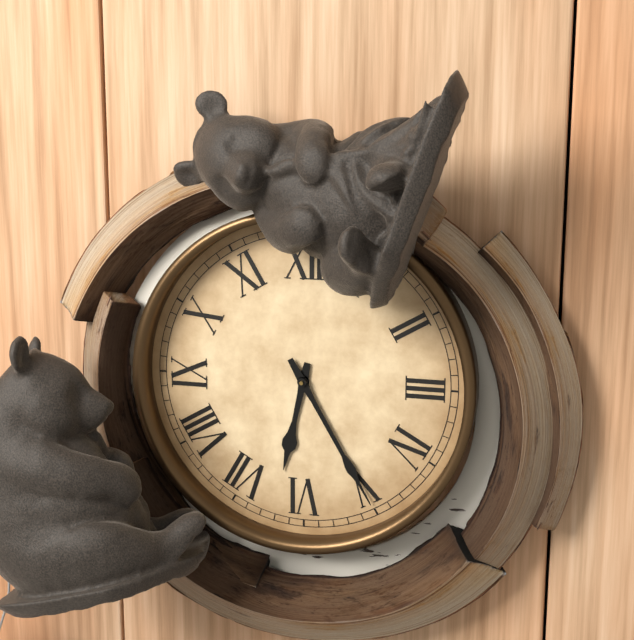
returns 6.25
